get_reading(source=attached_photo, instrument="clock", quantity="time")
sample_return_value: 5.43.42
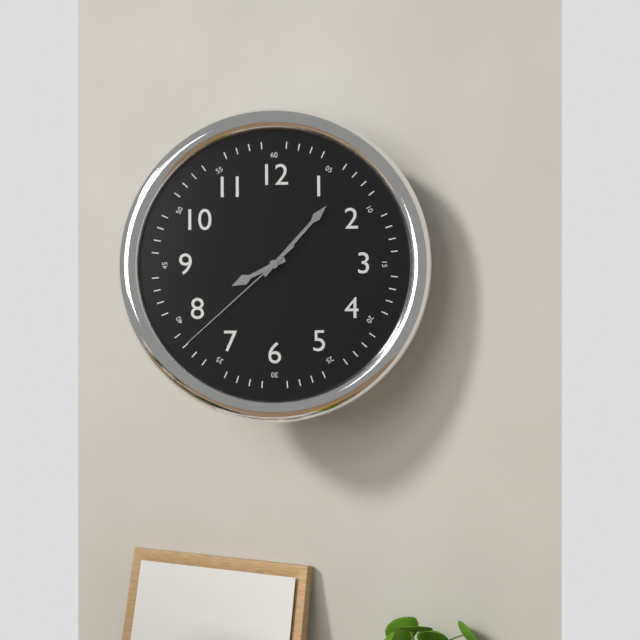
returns 8.07.38
